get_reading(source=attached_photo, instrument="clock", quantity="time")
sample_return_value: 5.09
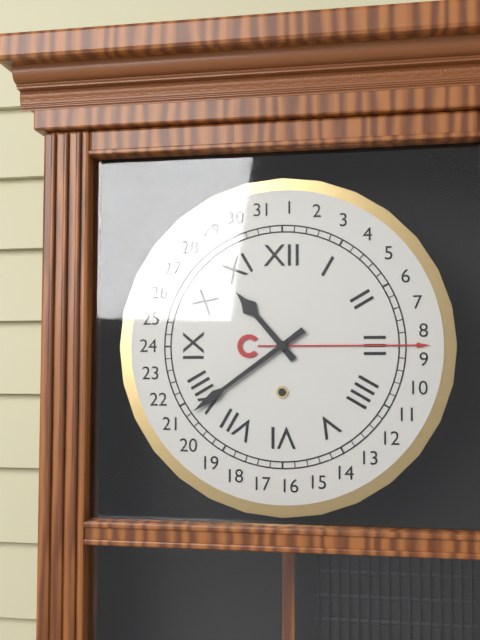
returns 10.39
